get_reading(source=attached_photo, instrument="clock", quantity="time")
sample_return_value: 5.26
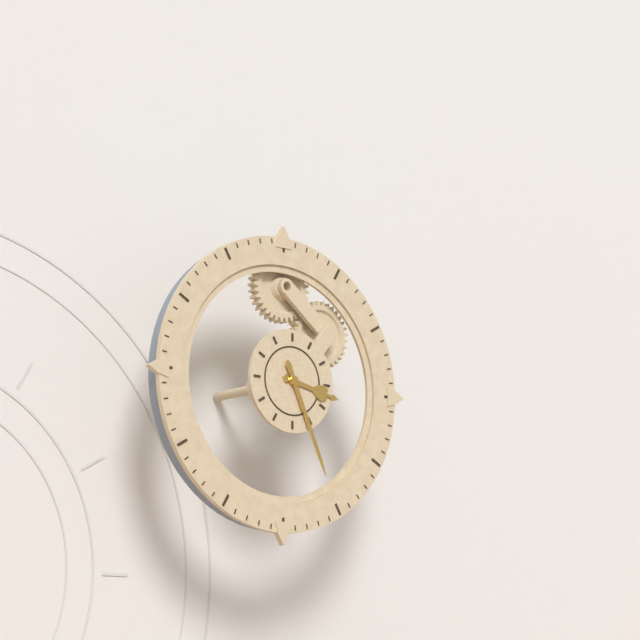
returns 3.26
